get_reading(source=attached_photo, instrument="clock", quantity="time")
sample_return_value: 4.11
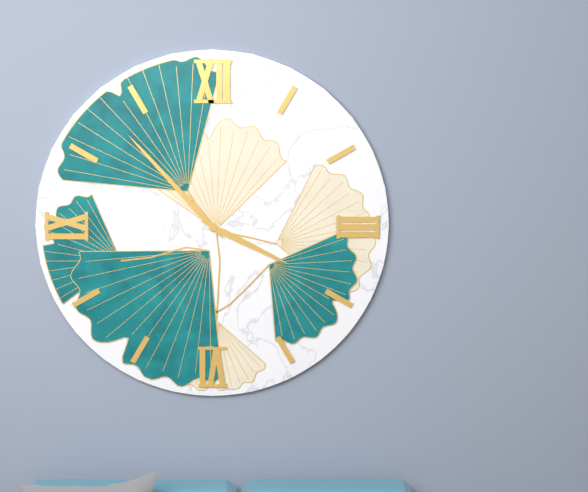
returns 3.53
